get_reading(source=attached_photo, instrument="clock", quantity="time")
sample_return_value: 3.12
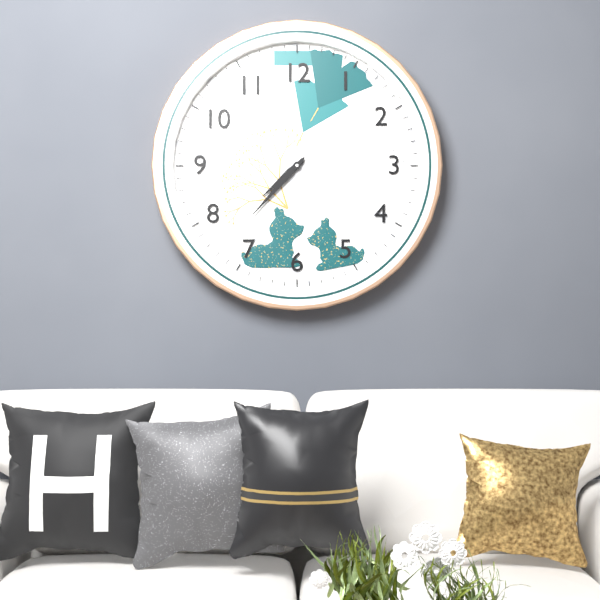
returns 7.37
